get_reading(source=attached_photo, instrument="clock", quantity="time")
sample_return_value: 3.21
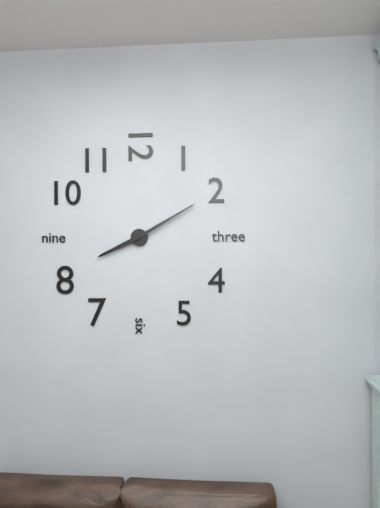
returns 8.10
